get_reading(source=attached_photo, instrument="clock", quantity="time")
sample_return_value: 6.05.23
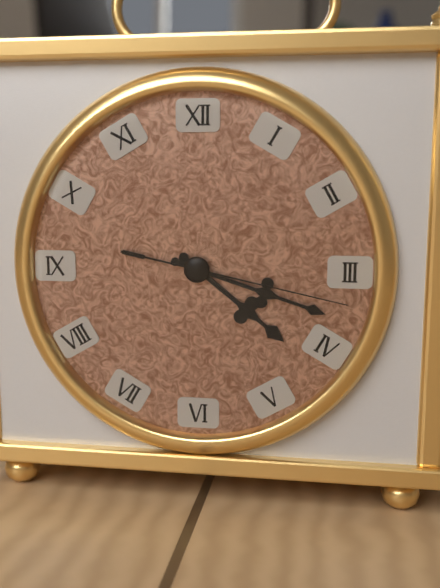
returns 4.18.17
